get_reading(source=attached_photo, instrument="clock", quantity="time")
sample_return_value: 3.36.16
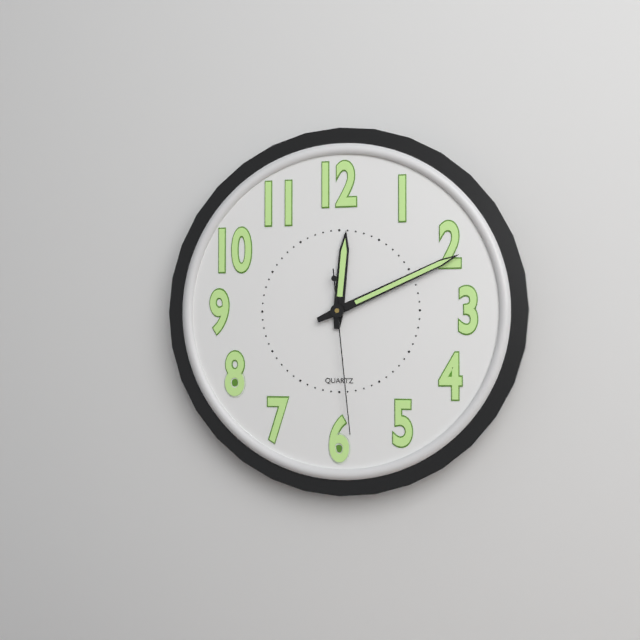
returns 12.11.29
